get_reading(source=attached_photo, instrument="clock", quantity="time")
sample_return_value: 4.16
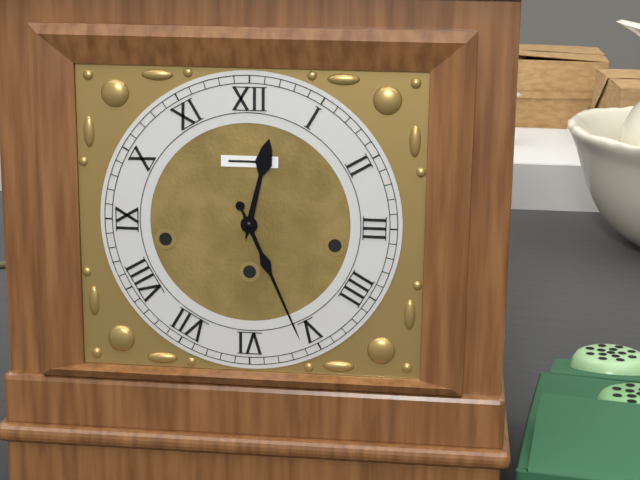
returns 12.26
